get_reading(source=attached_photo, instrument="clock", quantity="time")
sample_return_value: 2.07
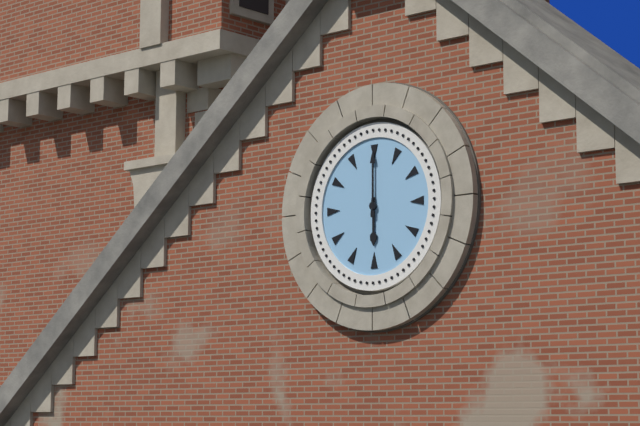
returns 6.00
